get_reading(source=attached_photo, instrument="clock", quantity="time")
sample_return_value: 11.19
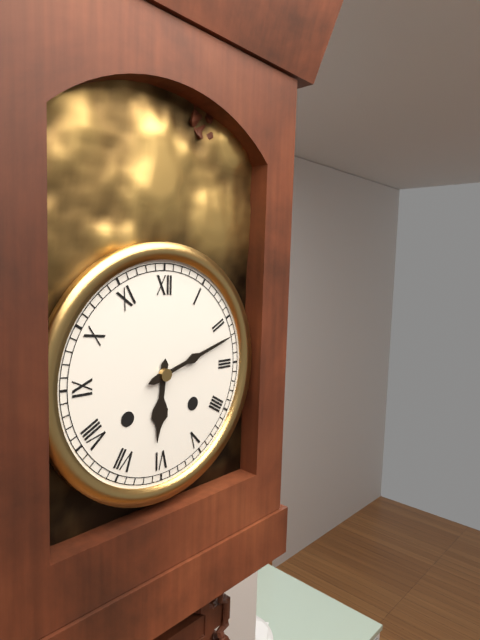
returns 6.12
